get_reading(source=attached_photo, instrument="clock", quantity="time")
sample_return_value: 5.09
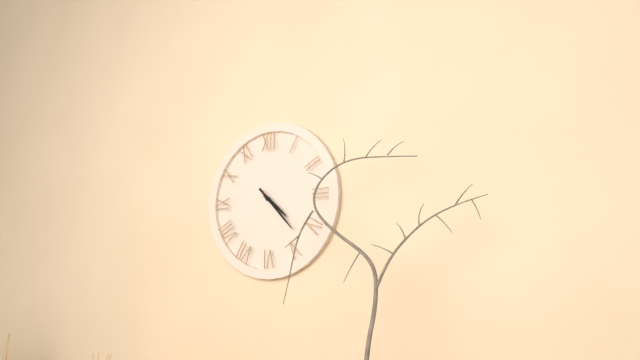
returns 4.23
